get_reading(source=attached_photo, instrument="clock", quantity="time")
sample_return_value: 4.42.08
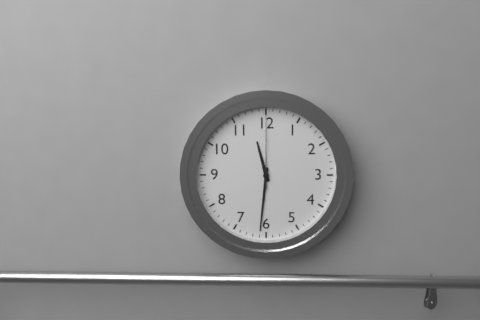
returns 11.31.00
